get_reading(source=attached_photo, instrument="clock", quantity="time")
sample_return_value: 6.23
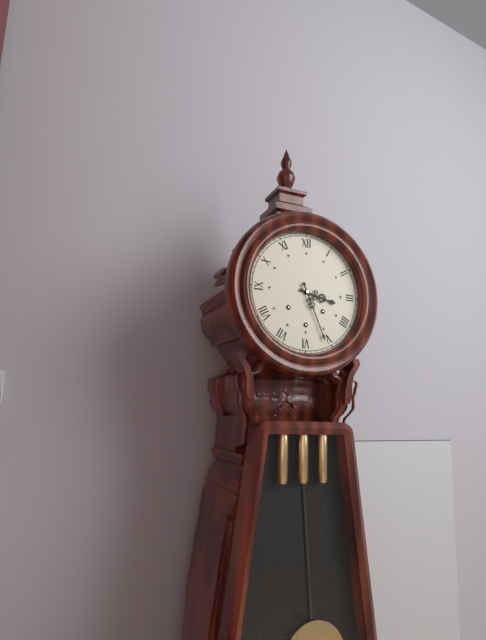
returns 3.26
